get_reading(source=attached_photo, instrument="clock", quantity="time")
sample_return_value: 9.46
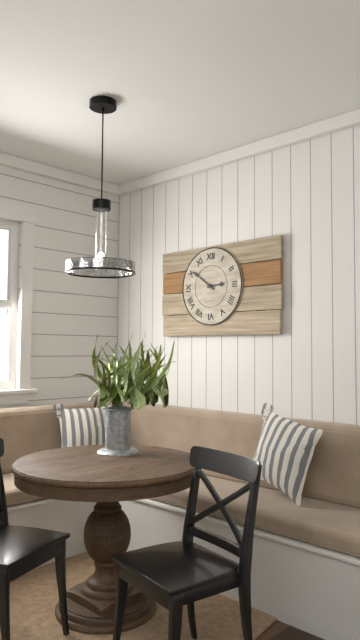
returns 2.51
